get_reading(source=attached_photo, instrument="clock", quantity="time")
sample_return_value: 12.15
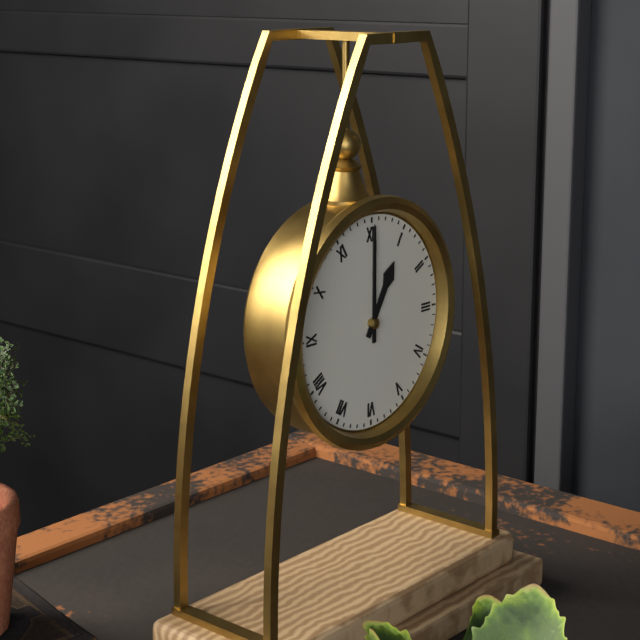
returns 1.00
